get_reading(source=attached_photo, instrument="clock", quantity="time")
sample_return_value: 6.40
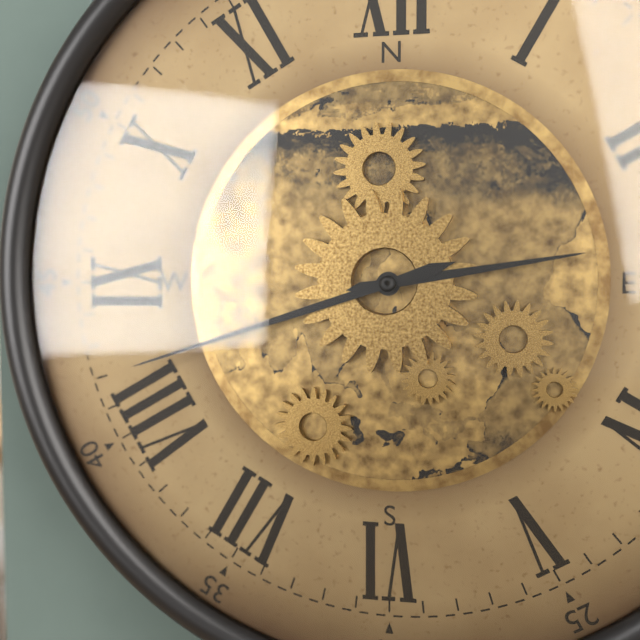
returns 2.42
